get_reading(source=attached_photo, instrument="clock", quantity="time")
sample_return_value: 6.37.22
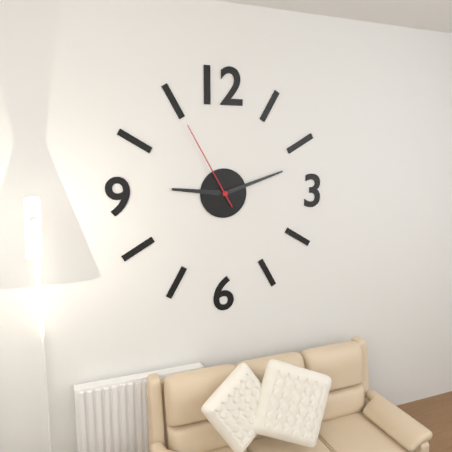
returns 9.12.55
